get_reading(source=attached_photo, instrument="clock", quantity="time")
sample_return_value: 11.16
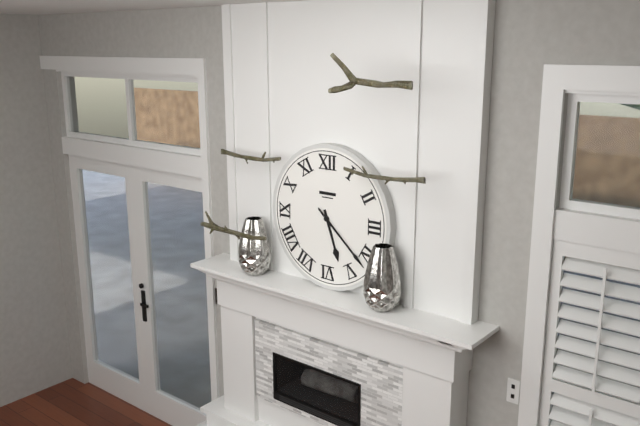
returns 5.22
